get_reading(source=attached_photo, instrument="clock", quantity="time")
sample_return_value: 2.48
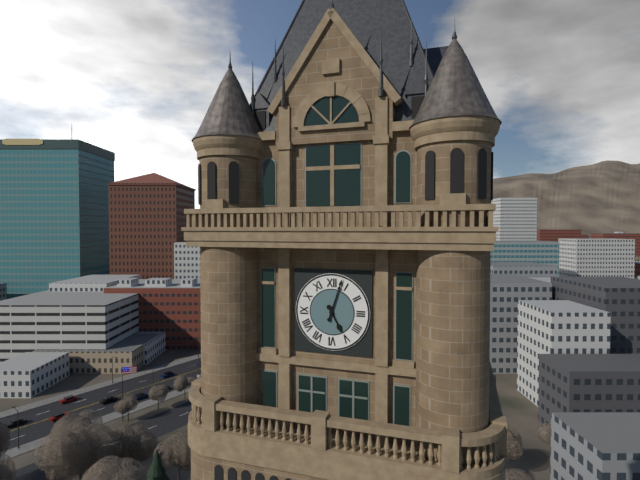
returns 5.03
